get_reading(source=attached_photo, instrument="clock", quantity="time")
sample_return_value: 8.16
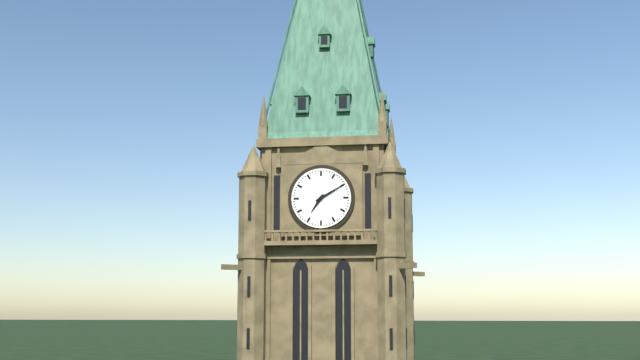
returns 7.10
